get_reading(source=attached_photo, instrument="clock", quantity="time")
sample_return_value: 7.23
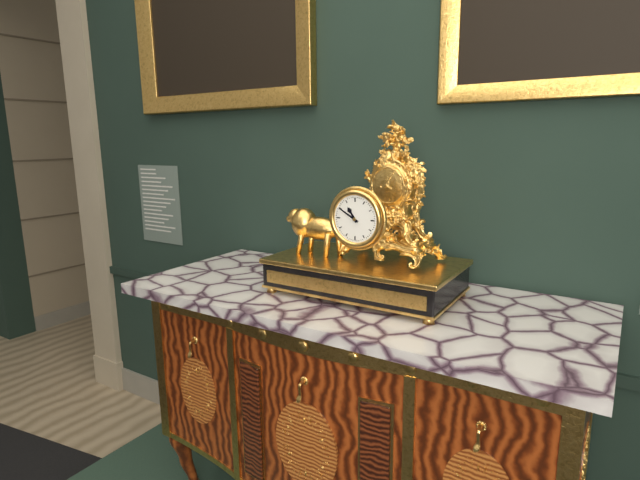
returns 10.50
